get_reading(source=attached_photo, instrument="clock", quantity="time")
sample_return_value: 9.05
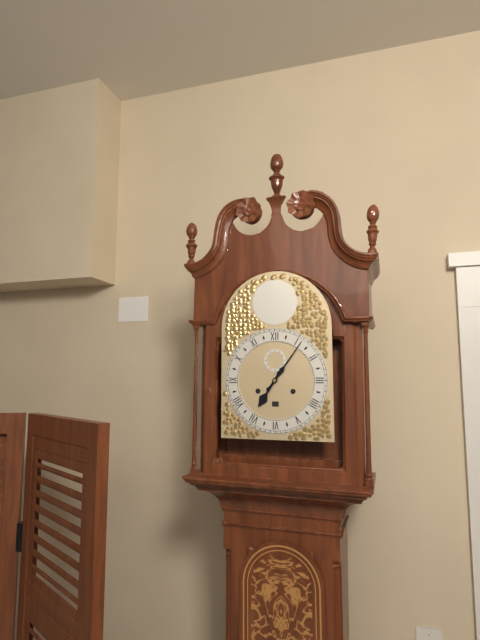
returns 7.06
